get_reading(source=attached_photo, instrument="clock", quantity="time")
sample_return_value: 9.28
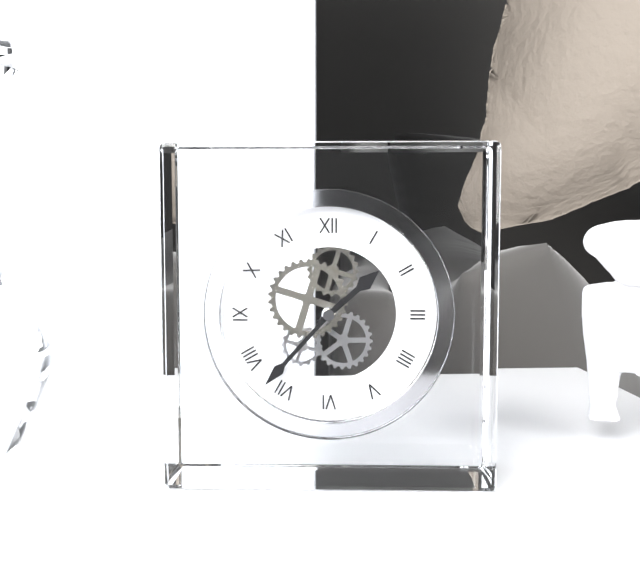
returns 1.37
